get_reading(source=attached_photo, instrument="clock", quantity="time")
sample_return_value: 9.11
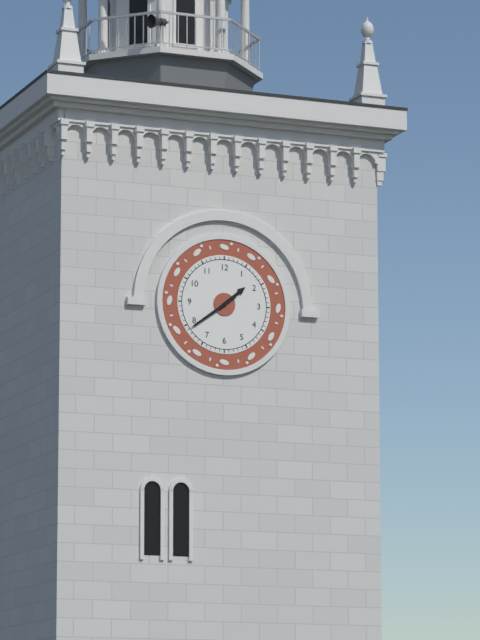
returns 1.39
